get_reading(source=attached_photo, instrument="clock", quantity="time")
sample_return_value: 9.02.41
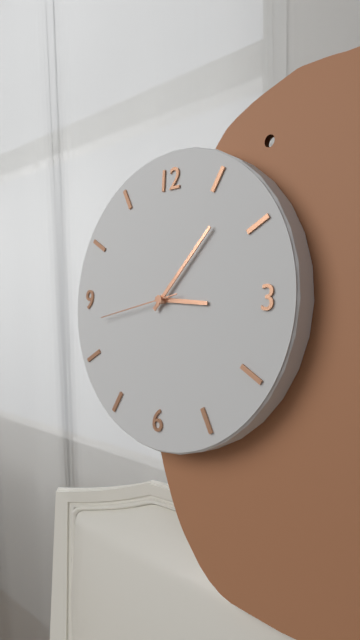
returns 3.07.43
